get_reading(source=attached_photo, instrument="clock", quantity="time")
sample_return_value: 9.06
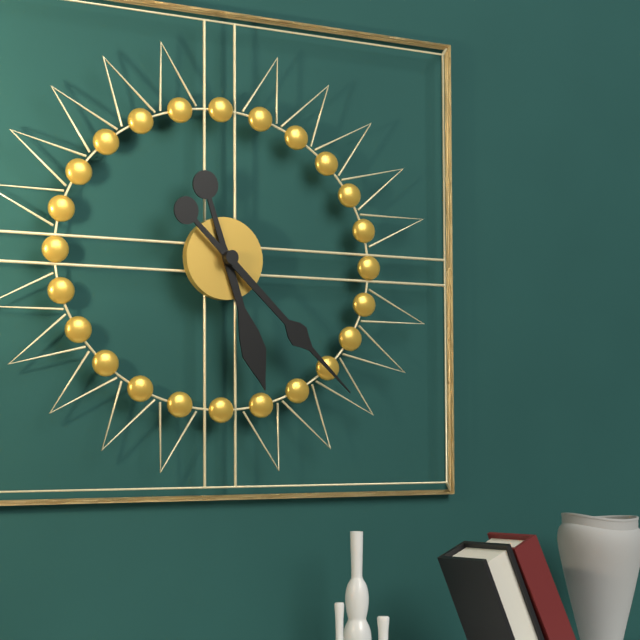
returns 5.22
